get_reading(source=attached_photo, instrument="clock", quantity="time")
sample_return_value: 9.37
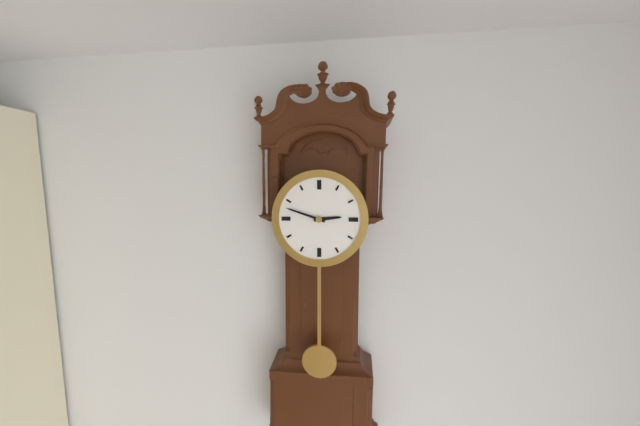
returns 2.48
